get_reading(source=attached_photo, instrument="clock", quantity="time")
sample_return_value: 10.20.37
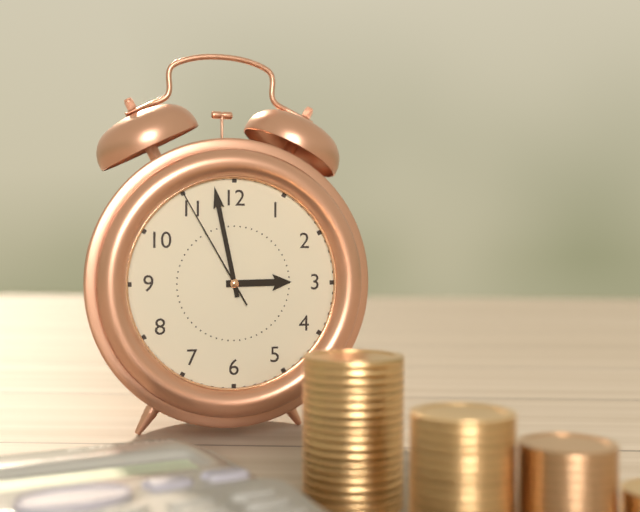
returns 2.58.55
